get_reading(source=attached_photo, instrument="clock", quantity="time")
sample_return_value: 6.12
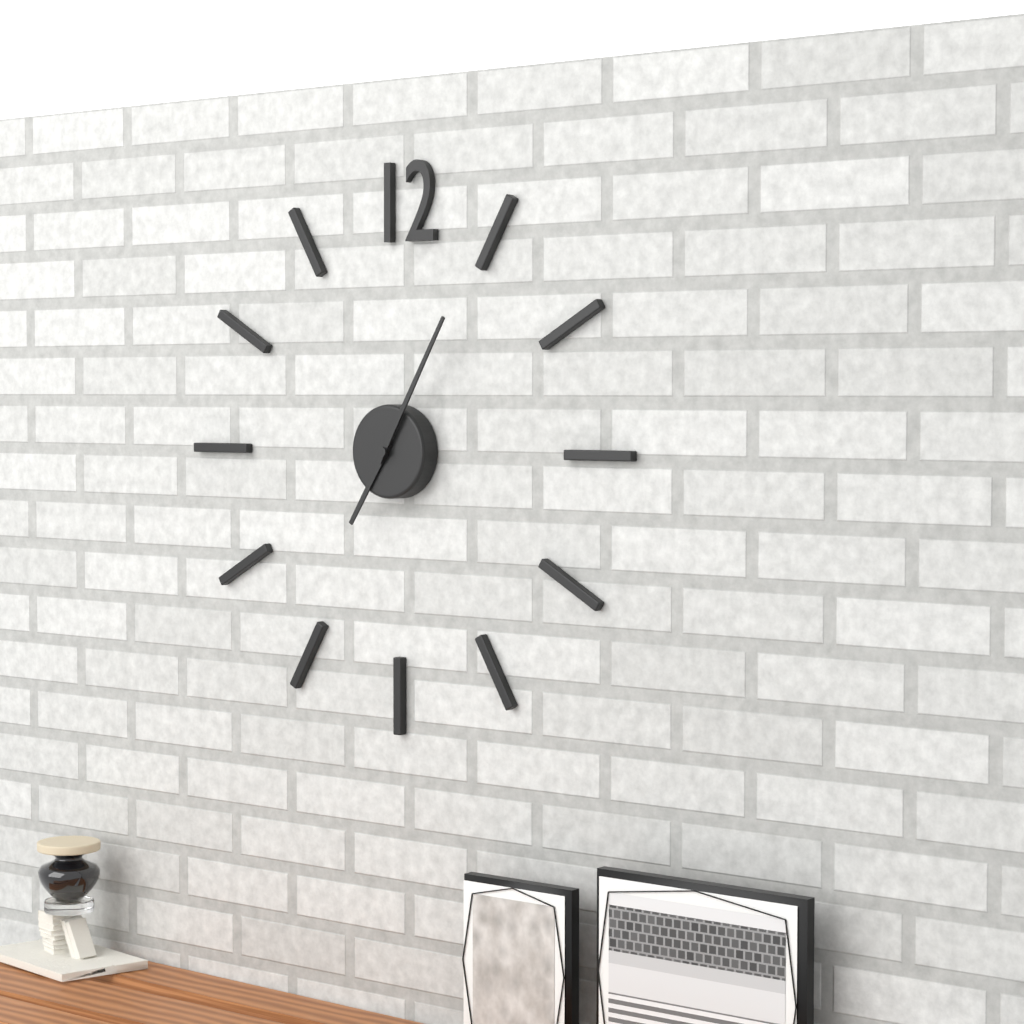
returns 7.05
